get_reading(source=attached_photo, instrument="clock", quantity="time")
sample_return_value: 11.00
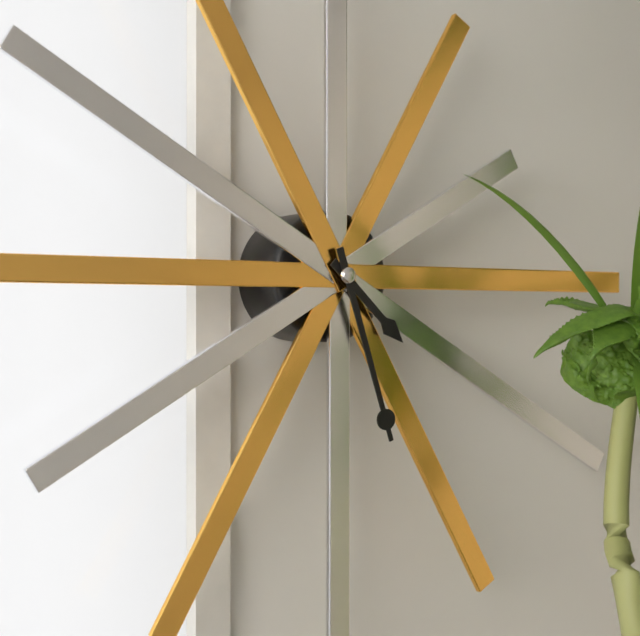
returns 4.27
